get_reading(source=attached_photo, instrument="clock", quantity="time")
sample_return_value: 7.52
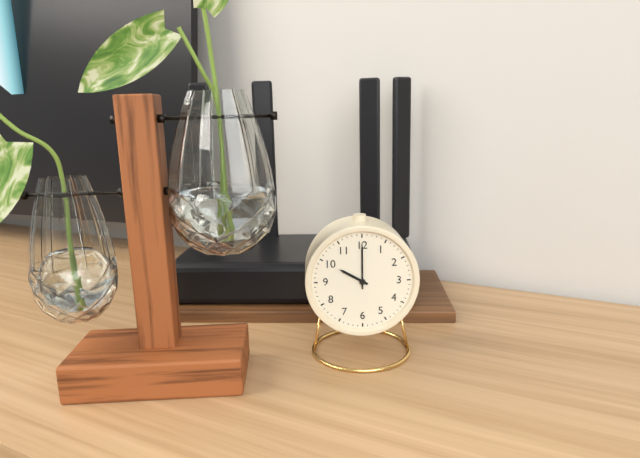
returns 10.00
